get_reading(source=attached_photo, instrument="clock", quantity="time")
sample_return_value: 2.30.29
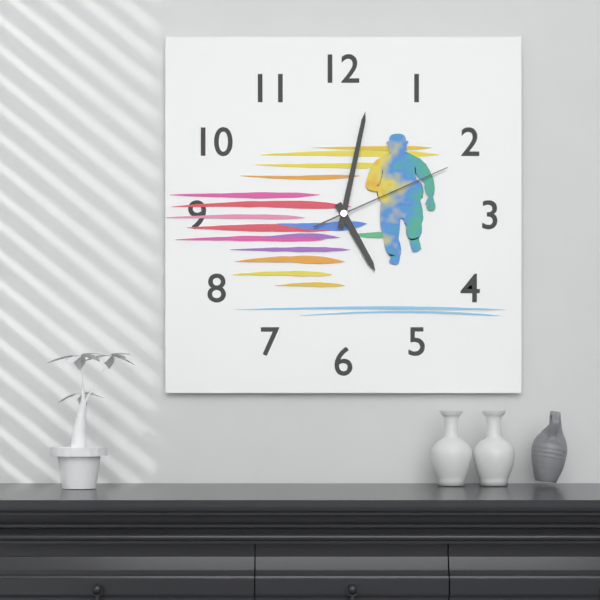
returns 5.02.11
